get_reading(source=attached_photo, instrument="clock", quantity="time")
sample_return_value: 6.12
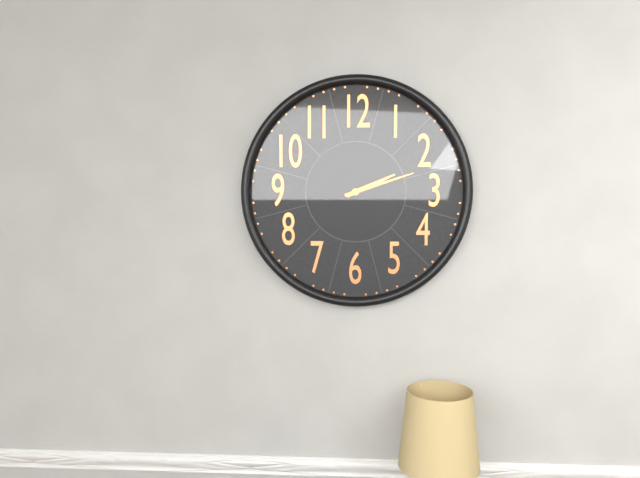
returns 2.12
